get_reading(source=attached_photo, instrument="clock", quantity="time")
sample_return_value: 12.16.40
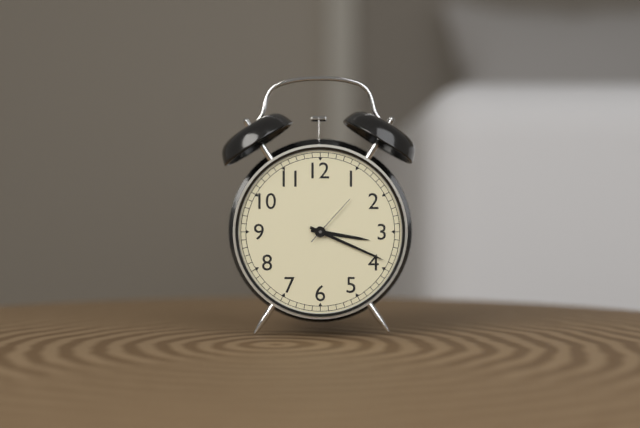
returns 3.19.07
